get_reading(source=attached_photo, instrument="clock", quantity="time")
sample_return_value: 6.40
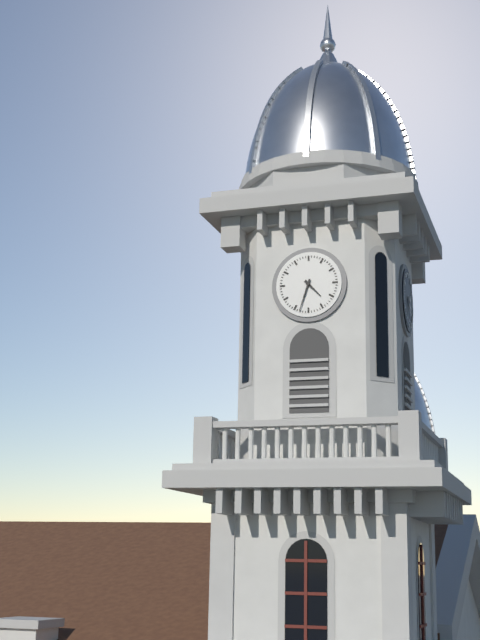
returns 4.33
